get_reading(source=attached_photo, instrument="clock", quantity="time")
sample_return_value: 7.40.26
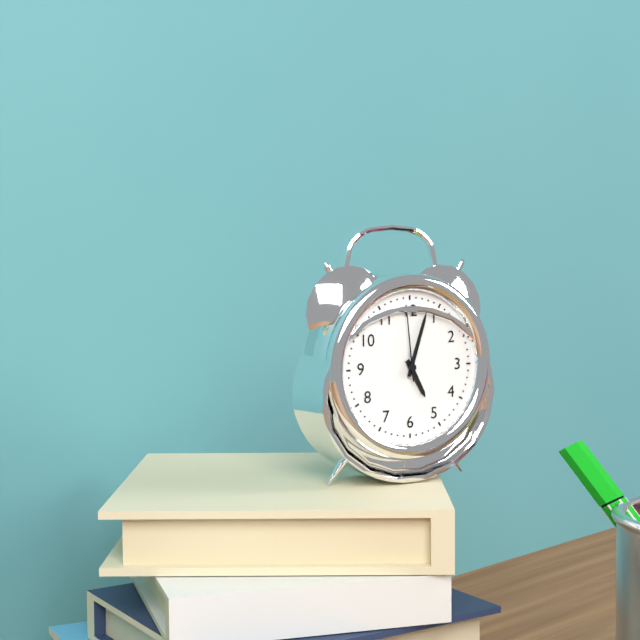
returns 5.03.59
